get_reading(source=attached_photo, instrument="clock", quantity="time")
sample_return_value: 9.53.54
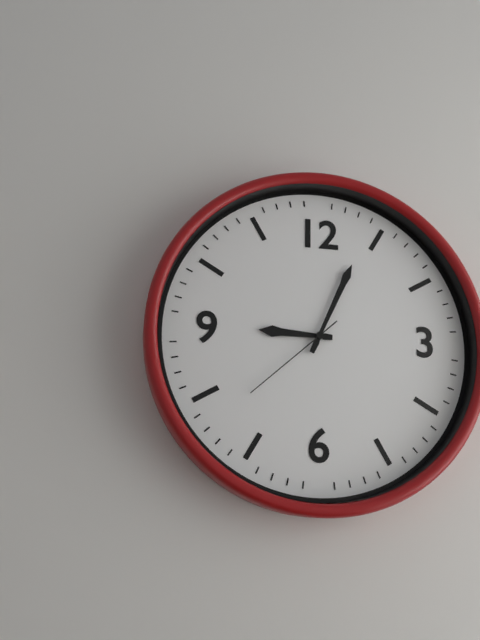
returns 9.04.38
